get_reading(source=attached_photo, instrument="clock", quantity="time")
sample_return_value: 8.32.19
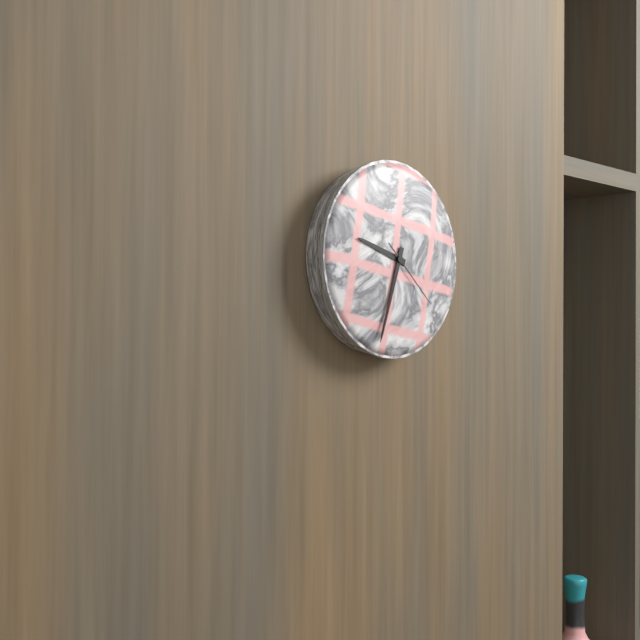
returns 9.33.22
